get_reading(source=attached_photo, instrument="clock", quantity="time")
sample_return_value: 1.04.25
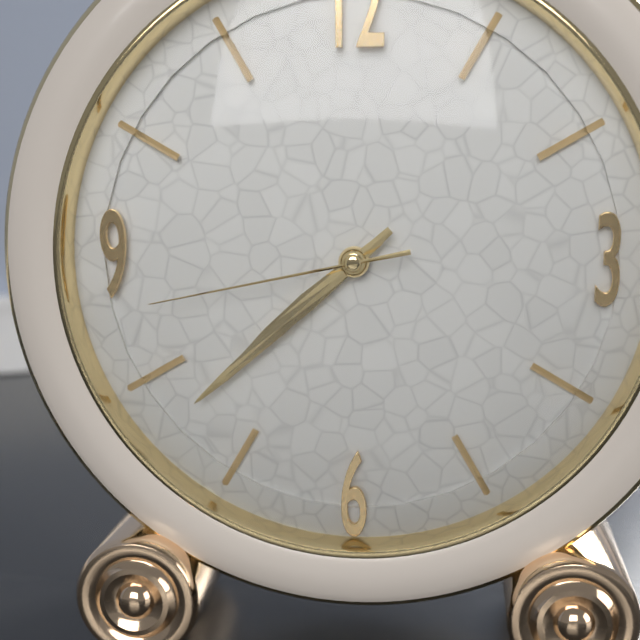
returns 7.38.43
